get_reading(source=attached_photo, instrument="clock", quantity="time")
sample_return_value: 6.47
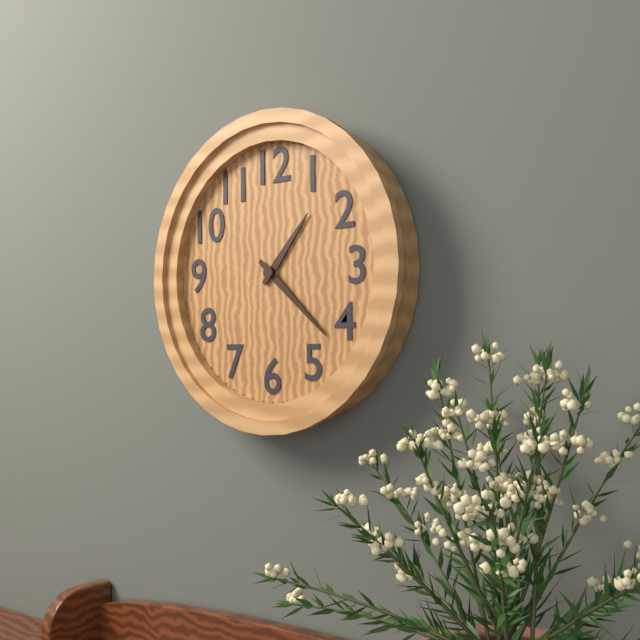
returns 1.22
